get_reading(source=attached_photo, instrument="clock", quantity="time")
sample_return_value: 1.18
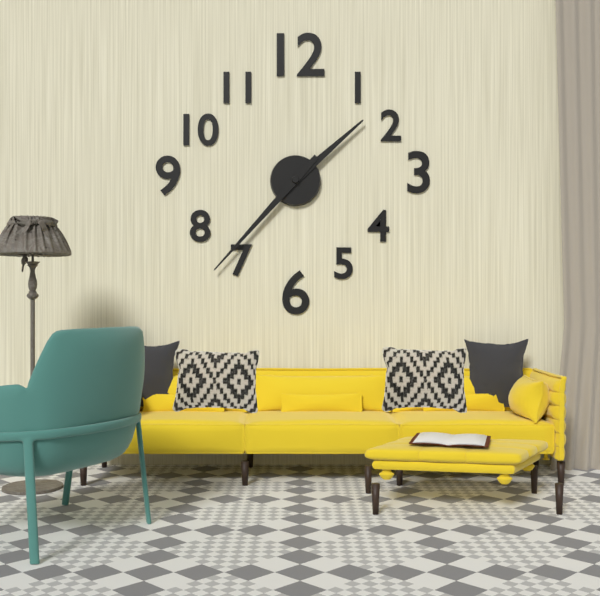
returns 1.37
